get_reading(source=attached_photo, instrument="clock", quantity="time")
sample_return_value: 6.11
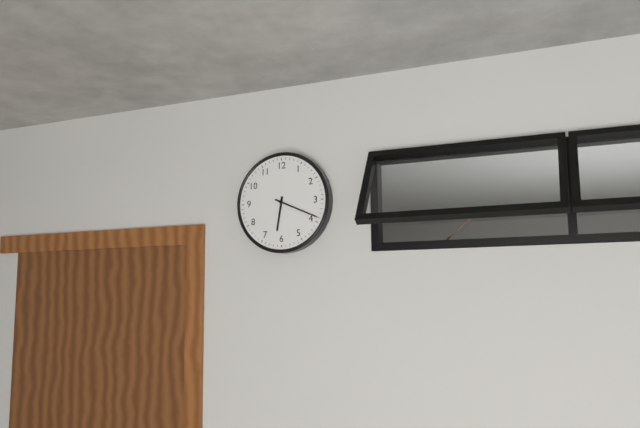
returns 6.19
